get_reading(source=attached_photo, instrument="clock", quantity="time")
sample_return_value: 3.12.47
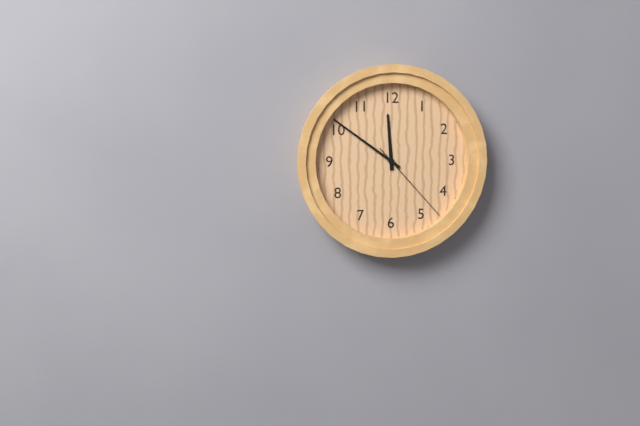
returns 11.51.23
